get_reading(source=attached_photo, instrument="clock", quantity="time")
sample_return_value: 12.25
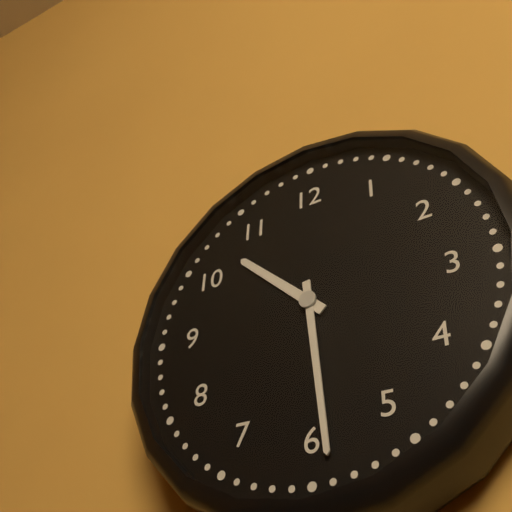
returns 10.29
